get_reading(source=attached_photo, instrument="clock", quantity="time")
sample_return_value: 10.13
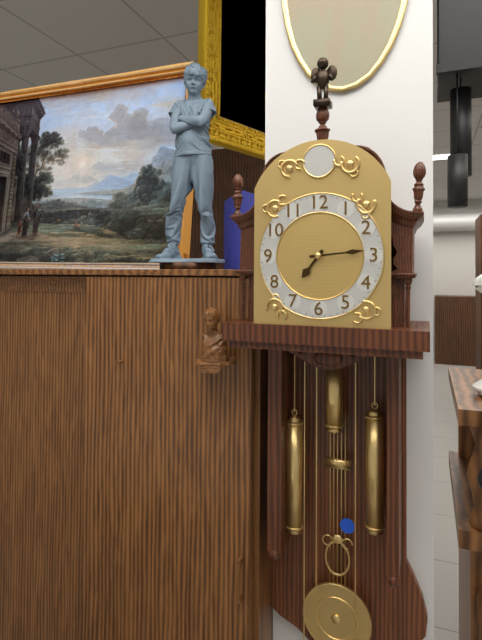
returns 7.14
